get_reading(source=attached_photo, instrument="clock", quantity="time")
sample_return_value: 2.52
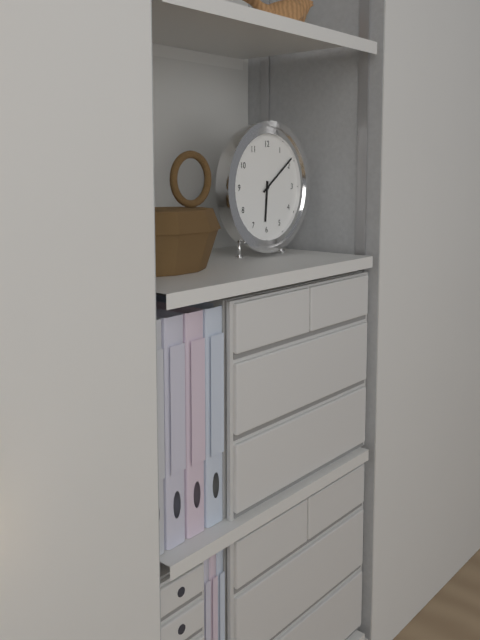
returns 6.09
